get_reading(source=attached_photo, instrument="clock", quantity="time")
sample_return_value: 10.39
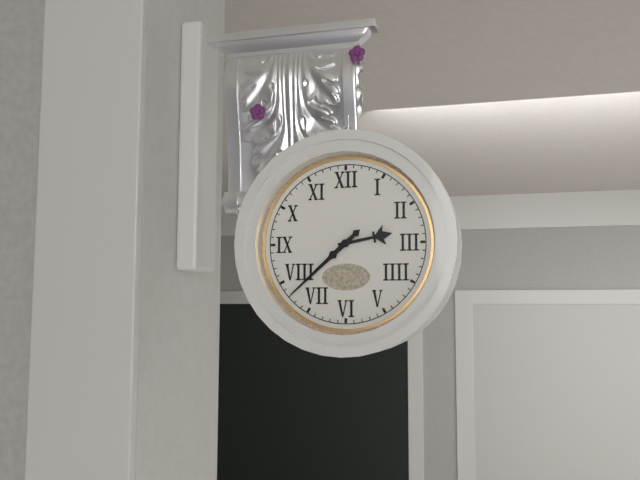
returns 2.38
